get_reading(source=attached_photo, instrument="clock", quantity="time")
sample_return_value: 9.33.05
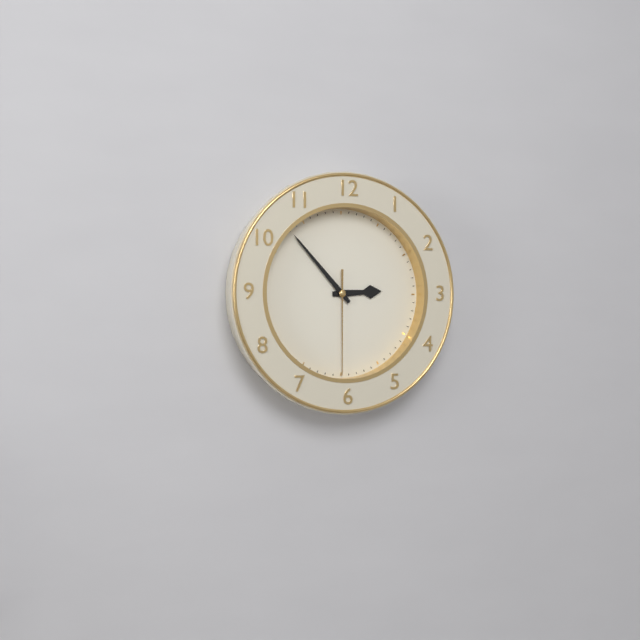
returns 2.53.30
